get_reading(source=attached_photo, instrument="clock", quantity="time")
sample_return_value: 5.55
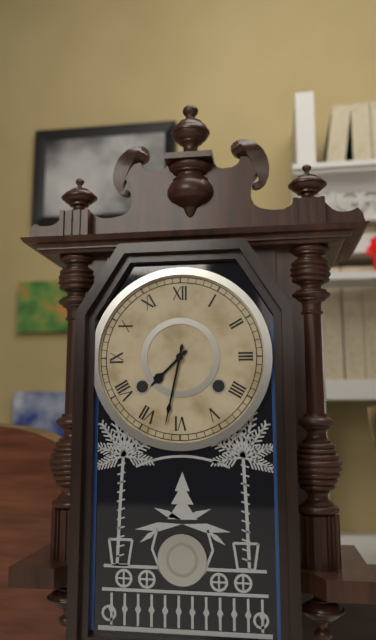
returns 7.32
